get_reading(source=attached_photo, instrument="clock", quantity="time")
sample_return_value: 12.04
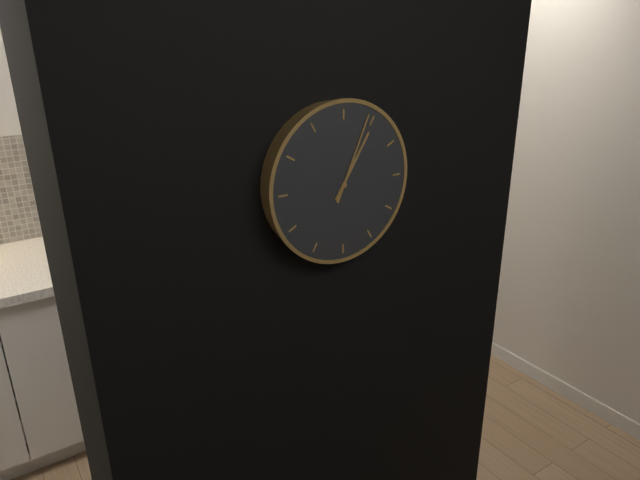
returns 1.04
